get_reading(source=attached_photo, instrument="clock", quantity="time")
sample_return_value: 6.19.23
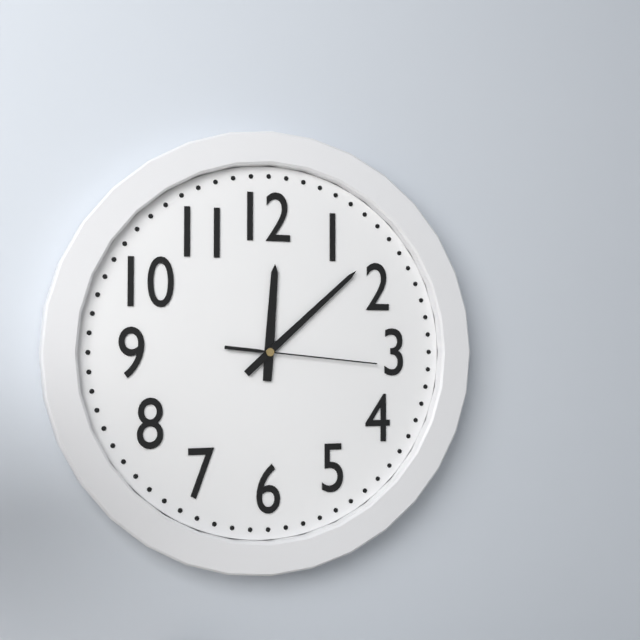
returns 12.08.16
